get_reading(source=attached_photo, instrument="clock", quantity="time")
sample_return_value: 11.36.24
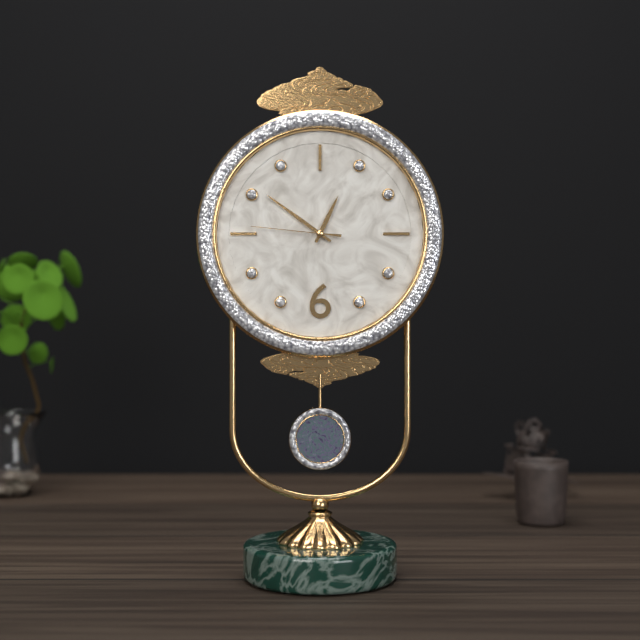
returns 12.51.46
